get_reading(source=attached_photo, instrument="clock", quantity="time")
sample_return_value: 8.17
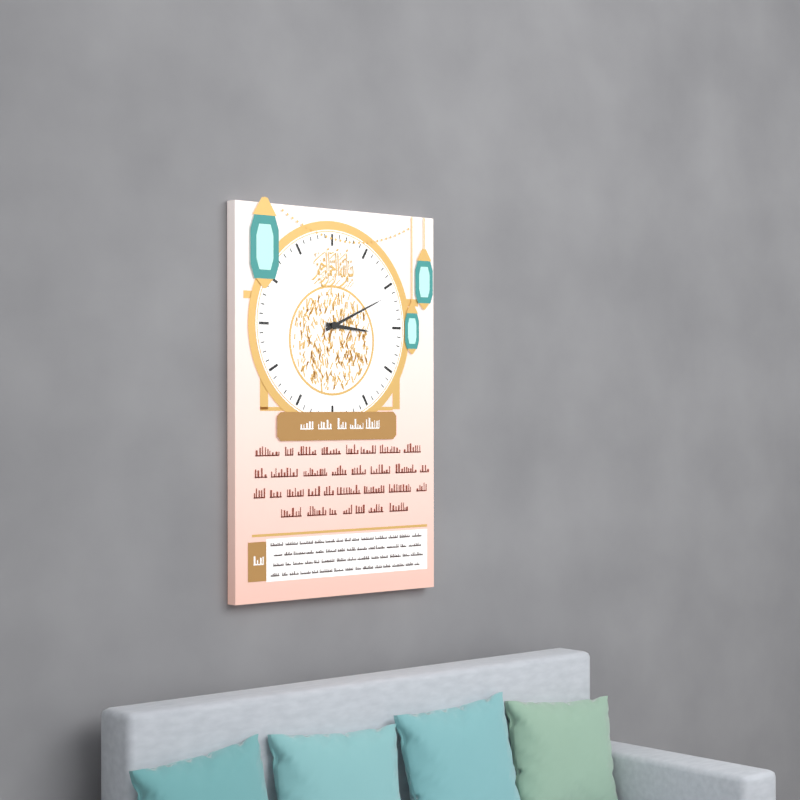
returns 3.11
